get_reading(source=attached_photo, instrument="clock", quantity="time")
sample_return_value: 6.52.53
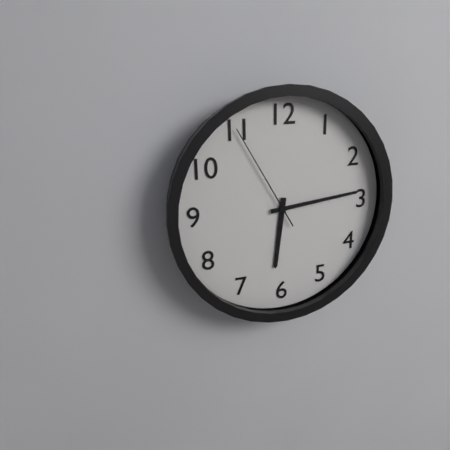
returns 6.14.55
